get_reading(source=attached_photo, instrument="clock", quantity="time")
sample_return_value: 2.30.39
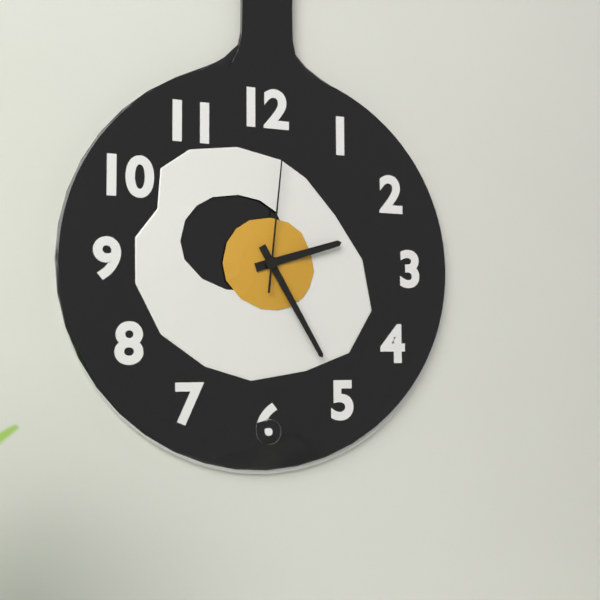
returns 2.25.01
